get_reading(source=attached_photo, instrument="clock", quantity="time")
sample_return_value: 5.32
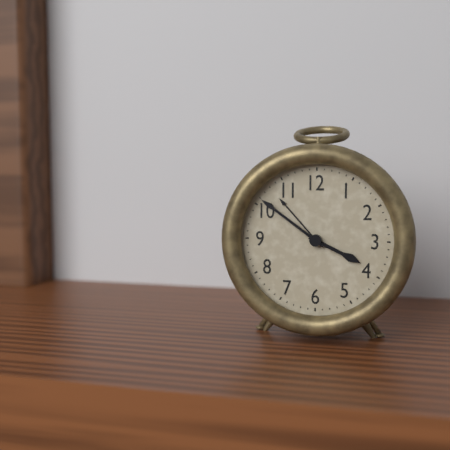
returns 3.51
